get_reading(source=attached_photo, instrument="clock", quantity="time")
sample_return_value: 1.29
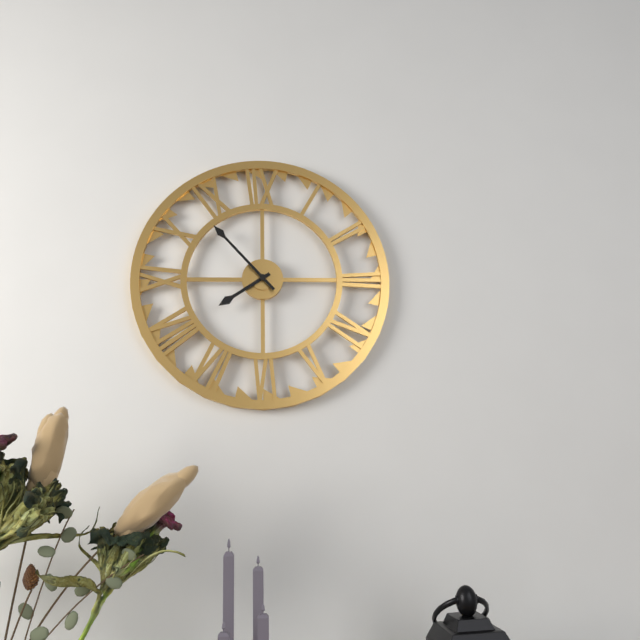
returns 7.53
